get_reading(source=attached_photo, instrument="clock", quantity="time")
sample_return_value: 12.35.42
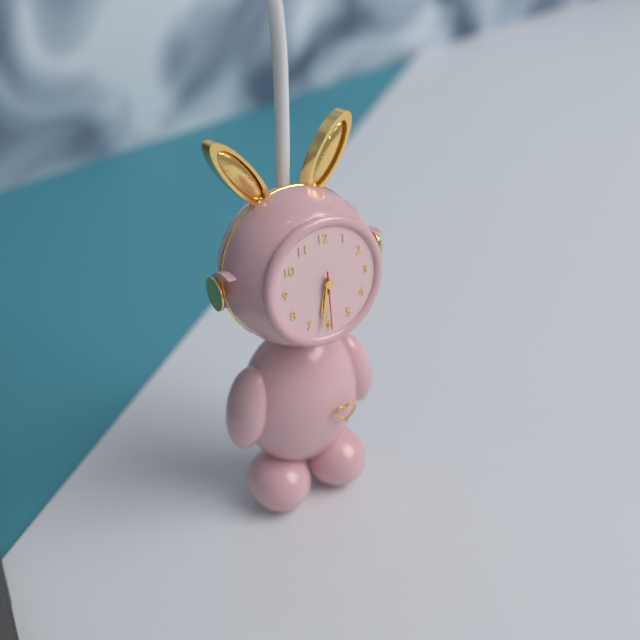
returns 6.32.30
